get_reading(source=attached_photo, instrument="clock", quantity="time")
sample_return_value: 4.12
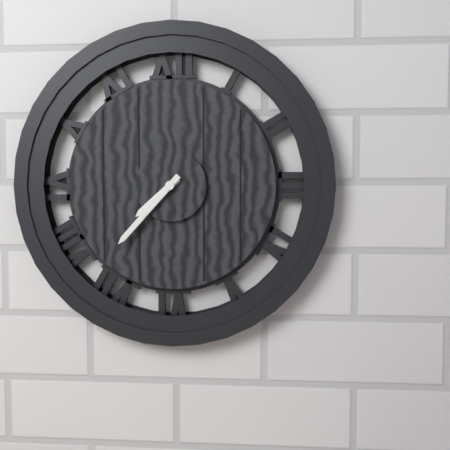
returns 7.37
